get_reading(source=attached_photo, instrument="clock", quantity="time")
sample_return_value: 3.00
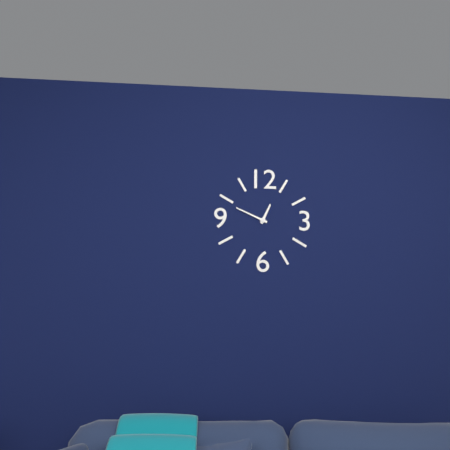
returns 12.49
